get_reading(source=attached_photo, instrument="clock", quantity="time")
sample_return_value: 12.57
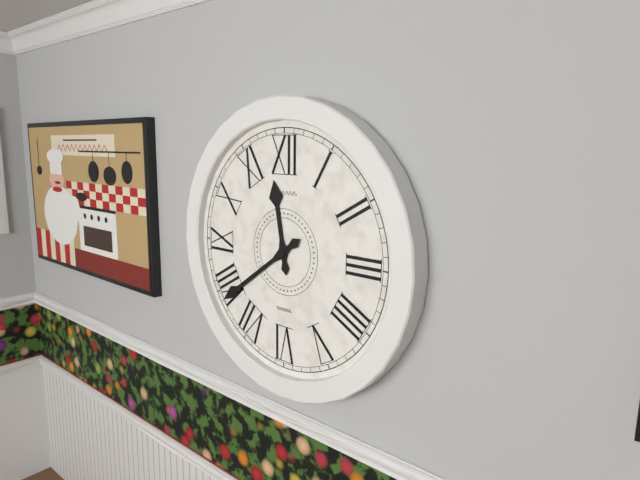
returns 11.39
